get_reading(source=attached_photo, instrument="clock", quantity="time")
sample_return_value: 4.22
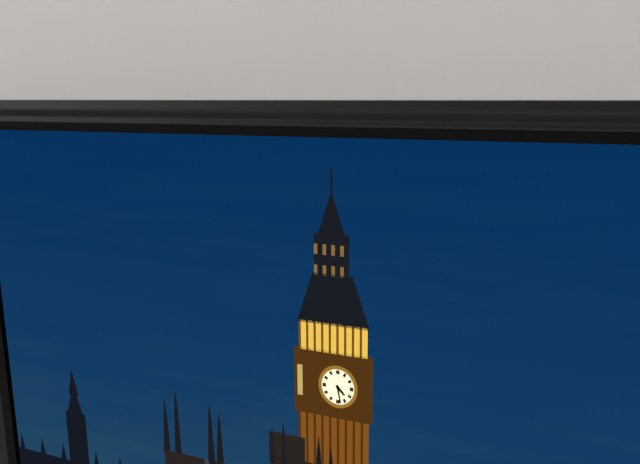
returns 4.28
